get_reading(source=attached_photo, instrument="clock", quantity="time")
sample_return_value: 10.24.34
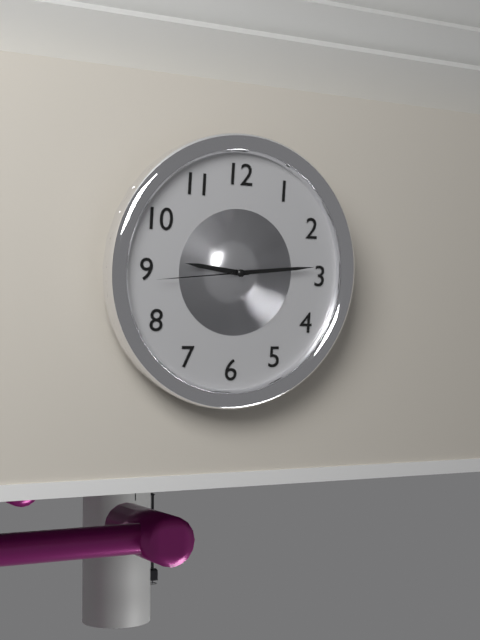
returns 9.14.44
